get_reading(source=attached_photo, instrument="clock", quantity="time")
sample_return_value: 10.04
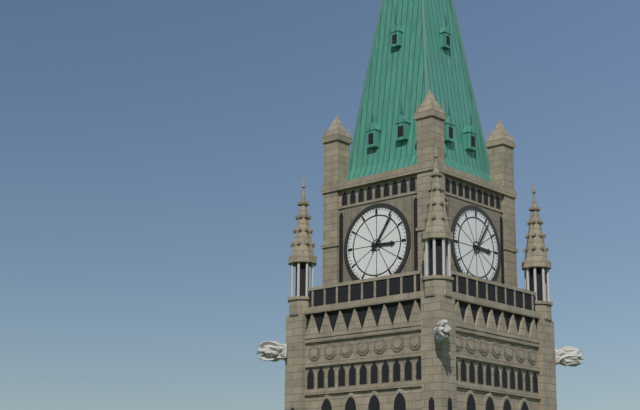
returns 3.06
